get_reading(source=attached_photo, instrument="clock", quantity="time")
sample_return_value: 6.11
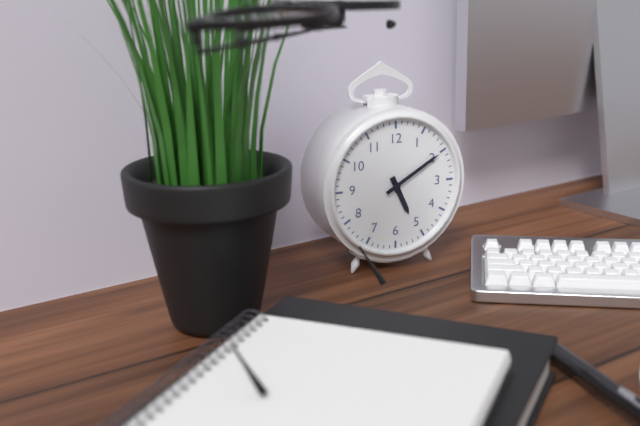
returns 5.10
